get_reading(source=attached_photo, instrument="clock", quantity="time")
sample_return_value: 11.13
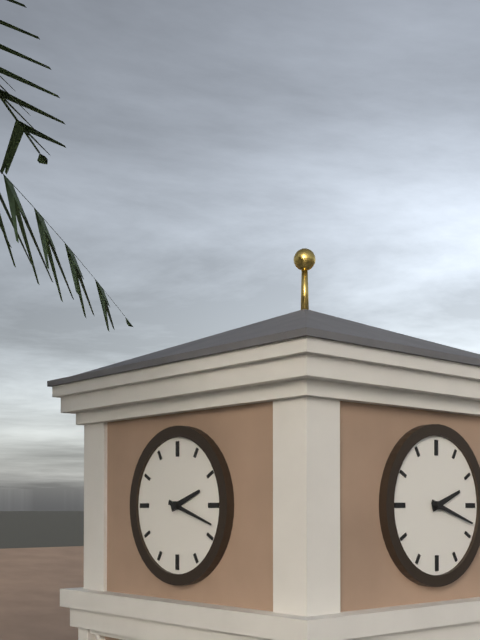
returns 2.18
